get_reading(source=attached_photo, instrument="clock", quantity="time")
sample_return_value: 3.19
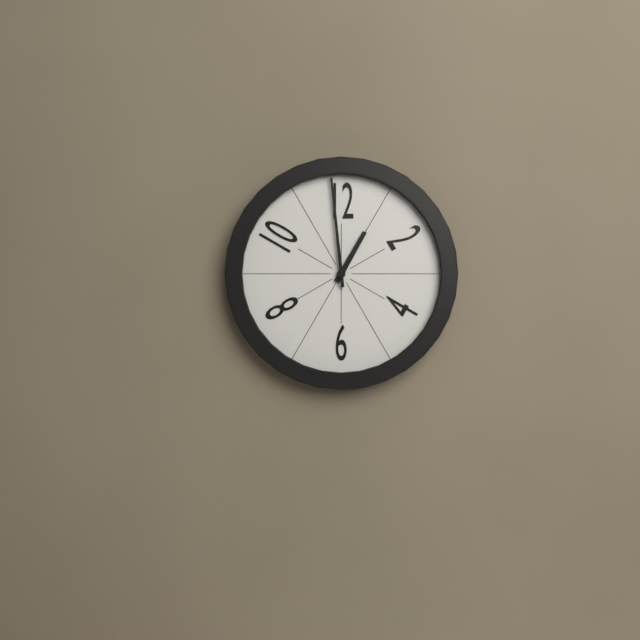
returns 12.59
